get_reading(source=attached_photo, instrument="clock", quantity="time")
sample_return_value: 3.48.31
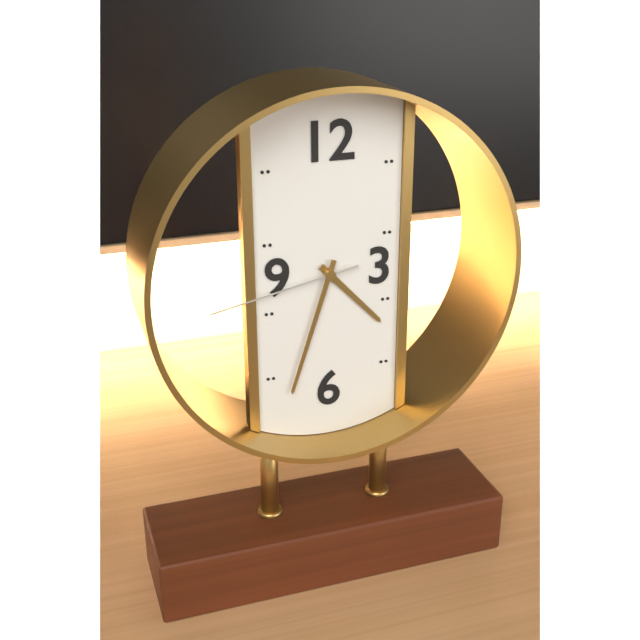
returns 4.33.43
